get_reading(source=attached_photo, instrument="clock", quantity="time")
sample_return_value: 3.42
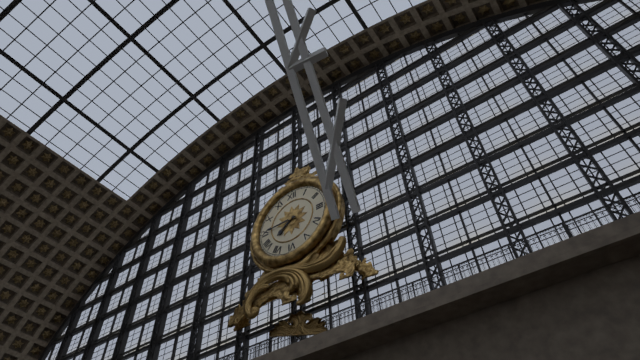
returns 7.45
